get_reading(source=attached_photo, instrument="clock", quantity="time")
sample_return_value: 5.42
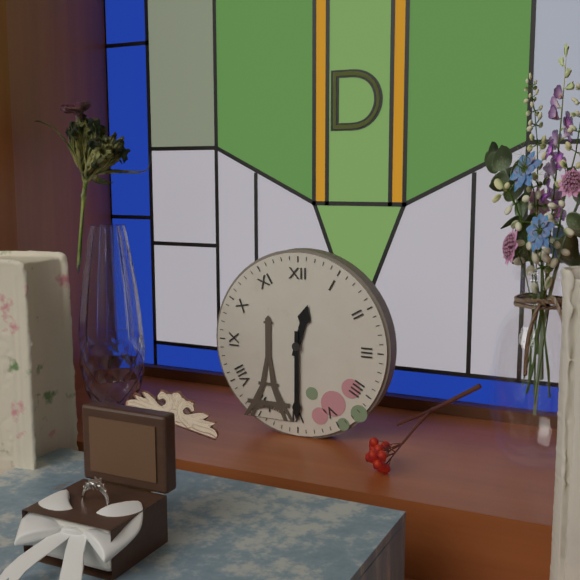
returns 12.30
